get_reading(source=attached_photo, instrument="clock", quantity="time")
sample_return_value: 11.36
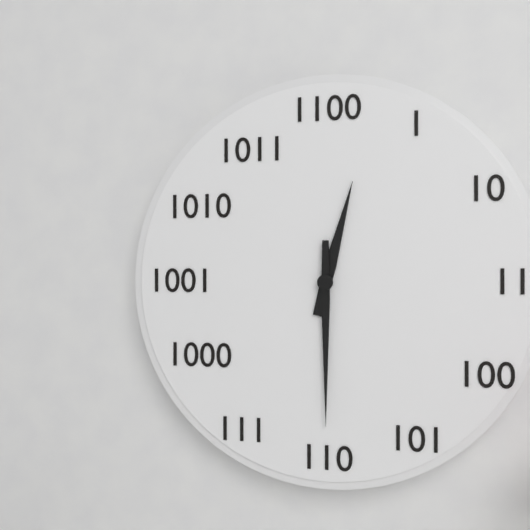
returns 12.30
